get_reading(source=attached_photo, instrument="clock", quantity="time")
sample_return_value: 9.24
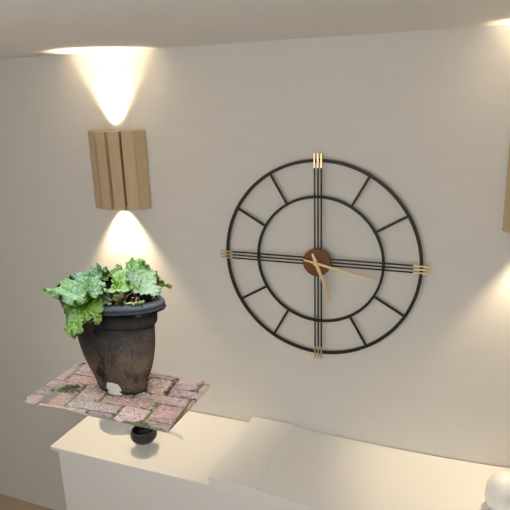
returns 5.17
